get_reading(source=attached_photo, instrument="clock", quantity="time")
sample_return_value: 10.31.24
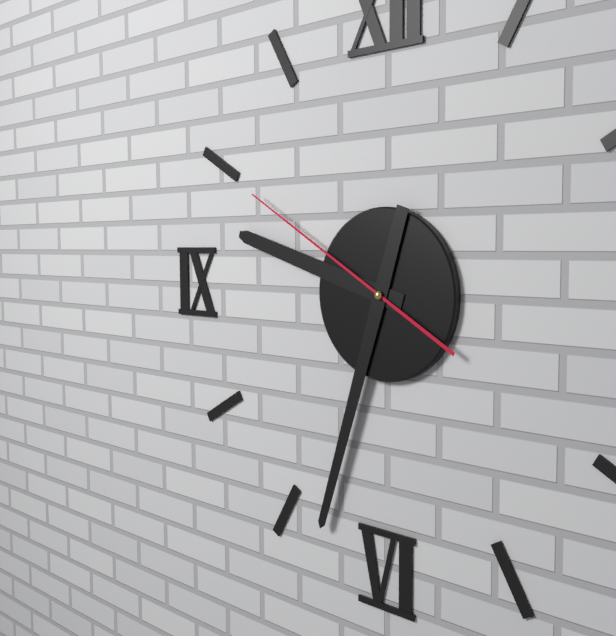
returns 9.33.50
